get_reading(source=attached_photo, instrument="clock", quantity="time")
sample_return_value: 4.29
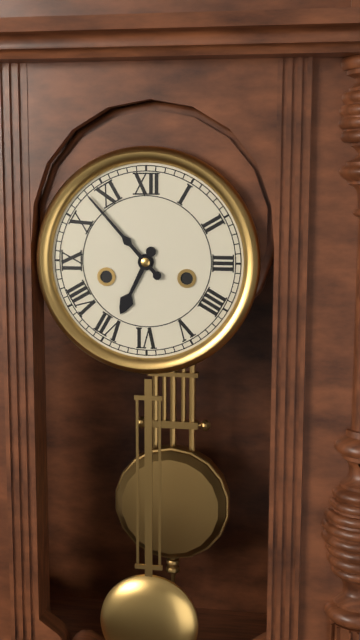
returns 6.53
